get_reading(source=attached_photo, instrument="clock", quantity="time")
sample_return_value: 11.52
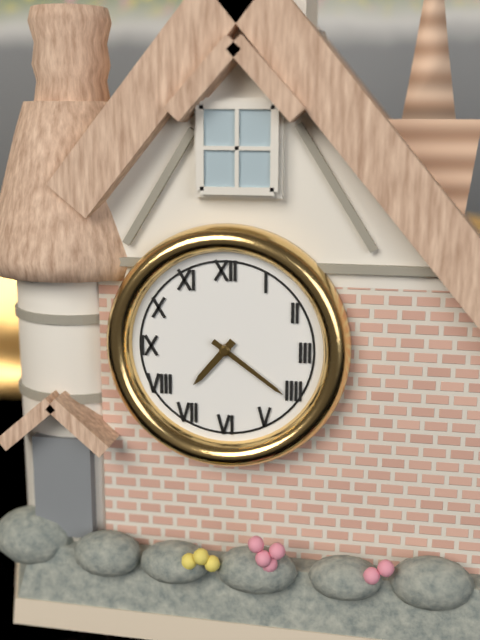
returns 7.21
